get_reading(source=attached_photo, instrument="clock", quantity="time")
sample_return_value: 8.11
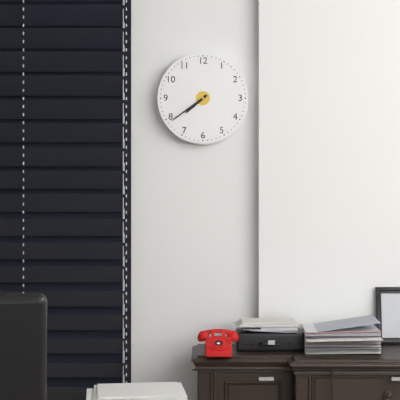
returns 7.39
